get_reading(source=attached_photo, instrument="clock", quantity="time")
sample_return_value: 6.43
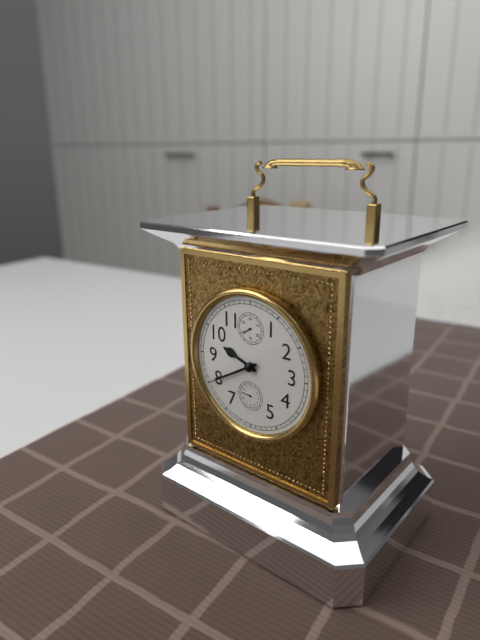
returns 9.40
